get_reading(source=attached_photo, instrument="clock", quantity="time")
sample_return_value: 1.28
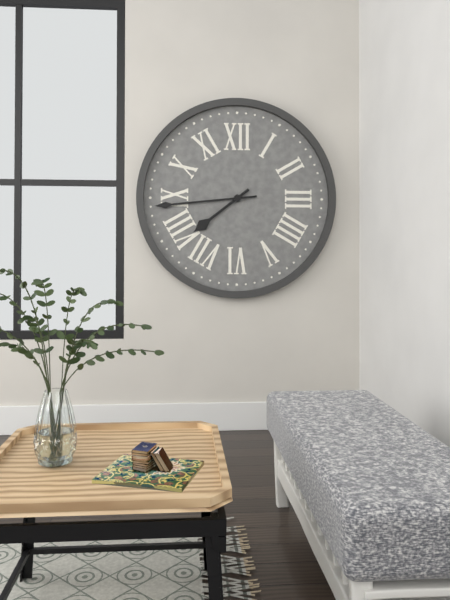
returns 7.44
